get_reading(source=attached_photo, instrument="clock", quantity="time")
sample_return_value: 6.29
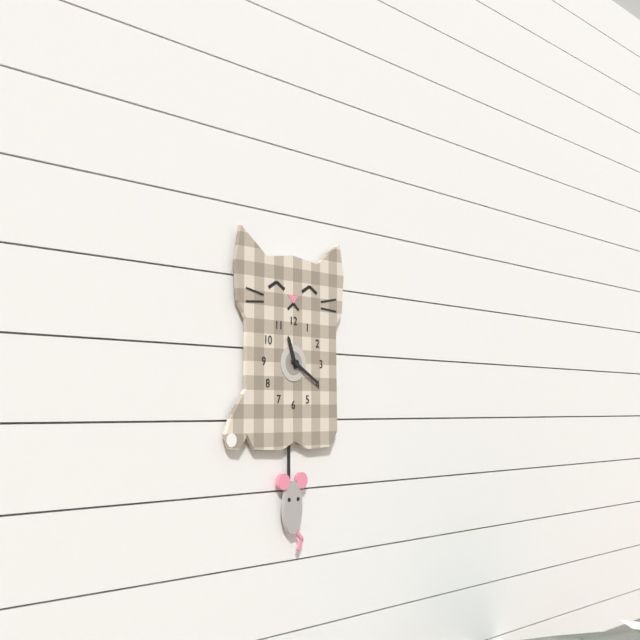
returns 11.20
